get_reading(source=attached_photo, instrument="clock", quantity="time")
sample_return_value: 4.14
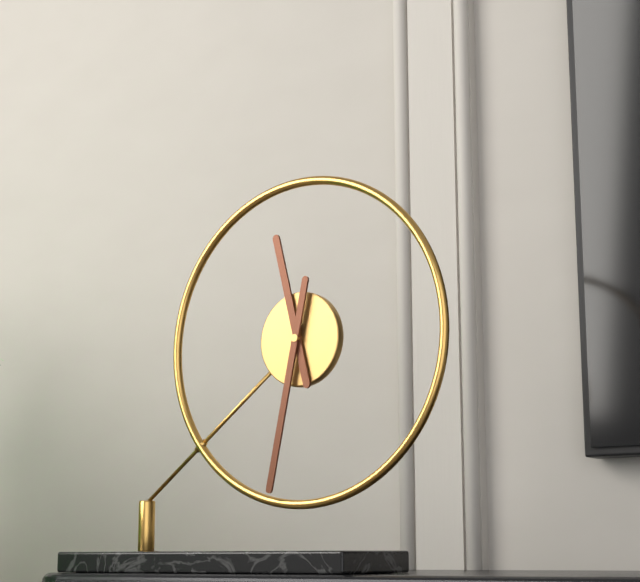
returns 11.32
